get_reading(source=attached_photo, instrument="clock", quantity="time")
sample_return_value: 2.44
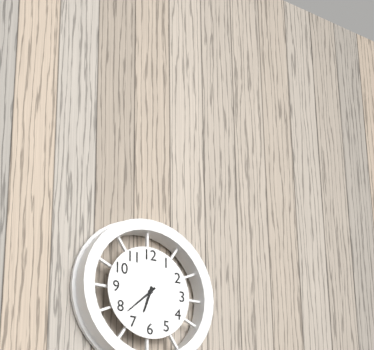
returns 6.38
